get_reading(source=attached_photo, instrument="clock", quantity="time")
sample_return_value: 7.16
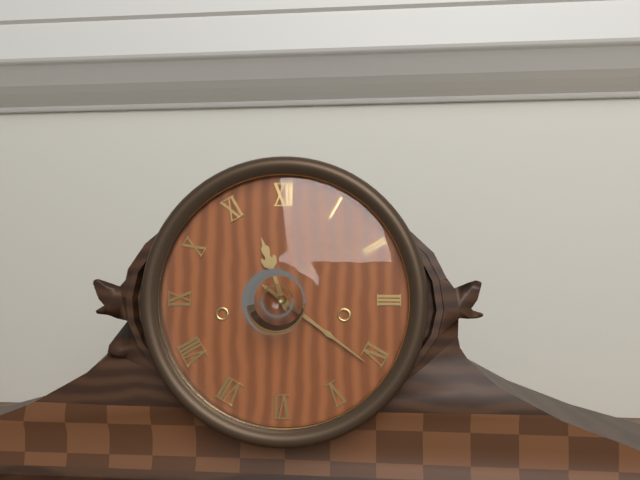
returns 11.21
